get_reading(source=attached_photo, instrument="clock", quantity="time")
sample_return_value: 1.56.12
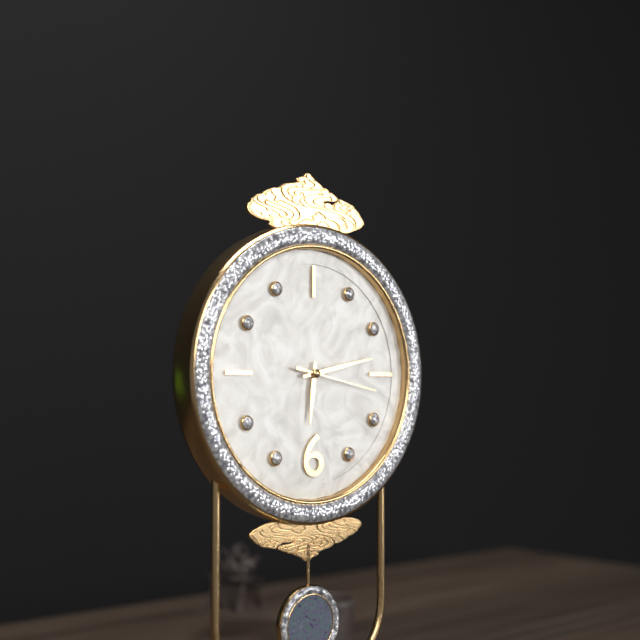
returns 6.13.17
